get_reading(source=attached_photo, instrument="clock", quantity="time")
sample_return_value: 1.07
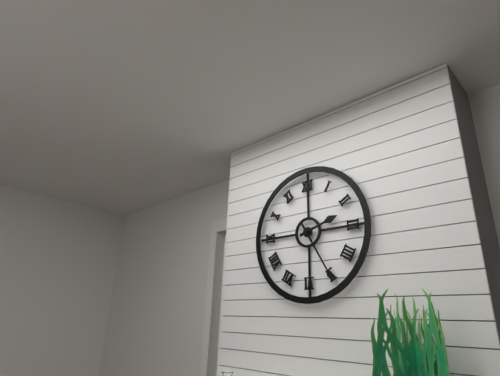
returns 2.25
